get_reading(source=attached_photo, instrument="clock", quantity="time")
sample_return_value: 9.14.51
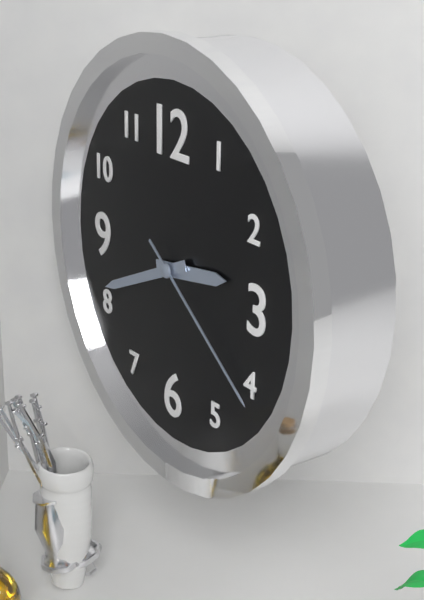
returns 2.41.21
